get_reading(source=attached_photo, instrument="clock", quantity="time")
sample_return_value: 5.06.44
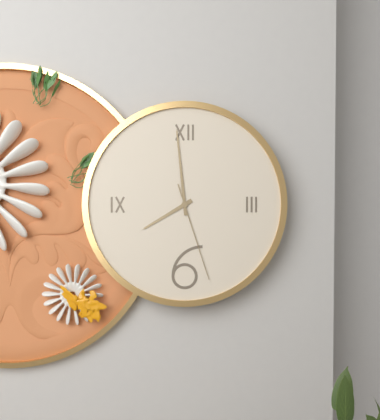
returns 7.59.27
